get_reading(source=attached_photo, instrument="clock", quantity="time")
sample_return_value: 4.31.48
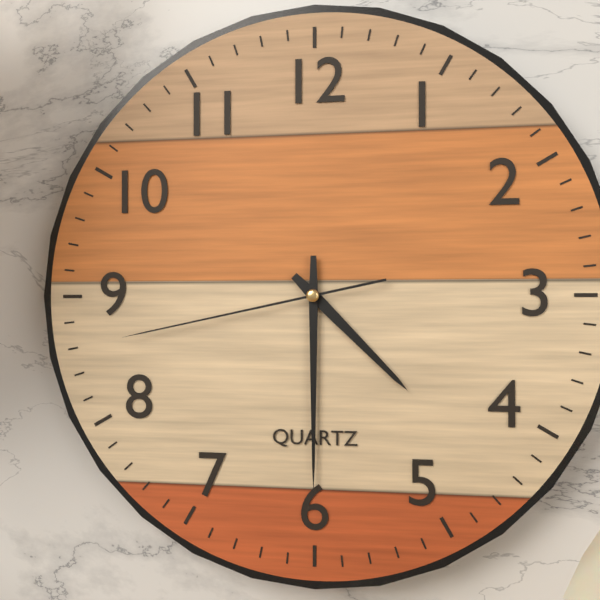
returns 4.30.43
